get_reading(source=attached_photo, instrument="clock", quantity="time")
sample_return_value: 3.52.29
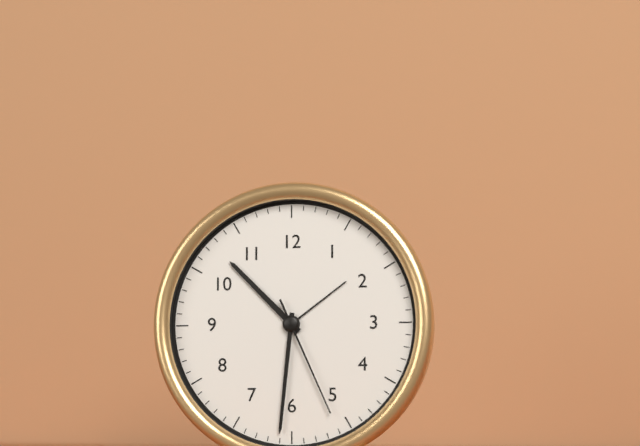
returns 10.31.26
